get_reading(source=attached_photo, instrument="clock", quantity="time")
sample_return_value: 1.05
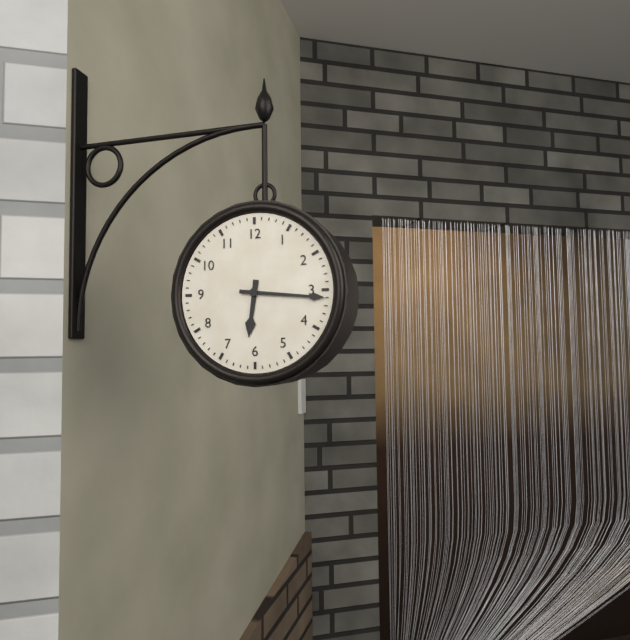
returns 6.16
